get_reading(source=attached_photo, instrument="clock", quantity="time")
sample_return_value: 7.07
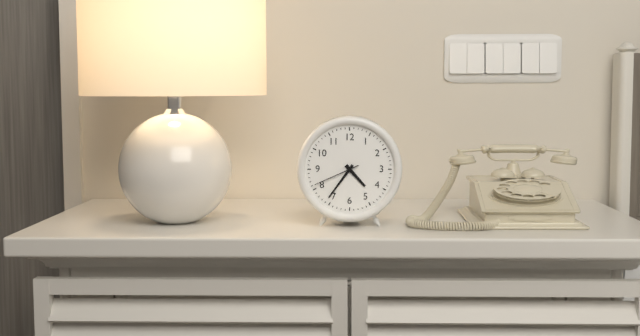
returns 4.36
